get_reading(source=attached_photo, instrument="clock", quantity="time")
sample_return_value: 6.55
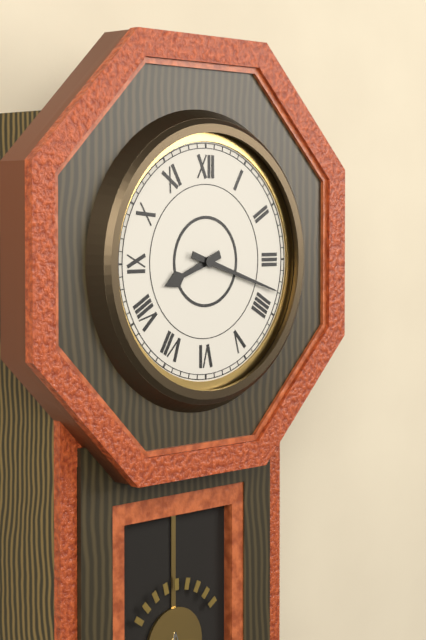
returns 8.18
